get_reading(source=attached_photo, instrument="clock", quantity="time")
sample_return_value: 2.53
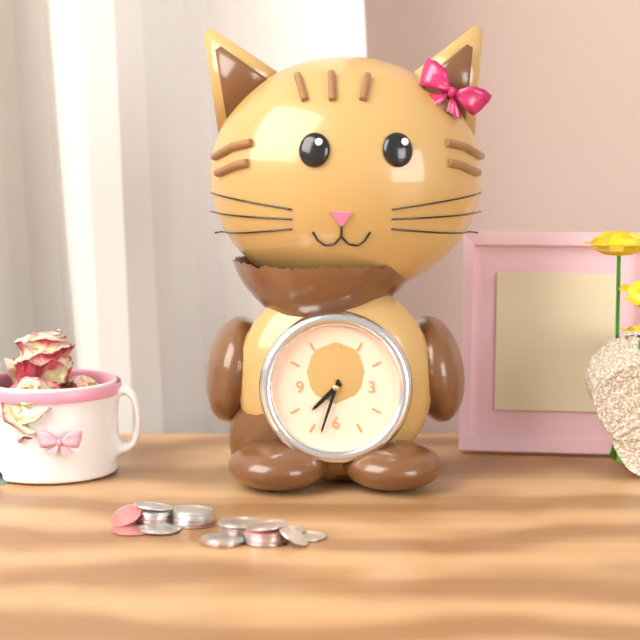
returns 7.33
